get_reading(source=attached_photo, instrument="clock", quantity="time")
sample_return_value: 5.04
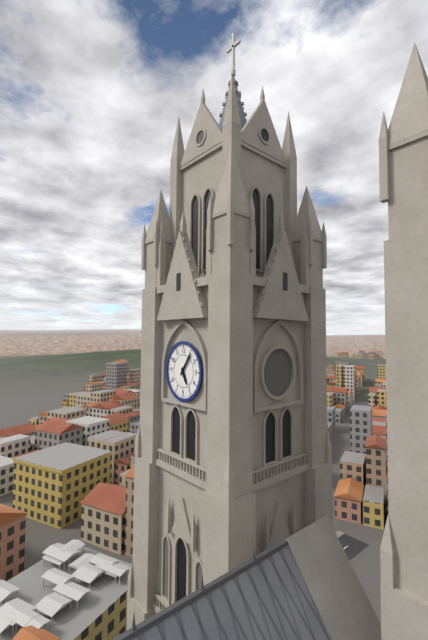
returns 5.06
